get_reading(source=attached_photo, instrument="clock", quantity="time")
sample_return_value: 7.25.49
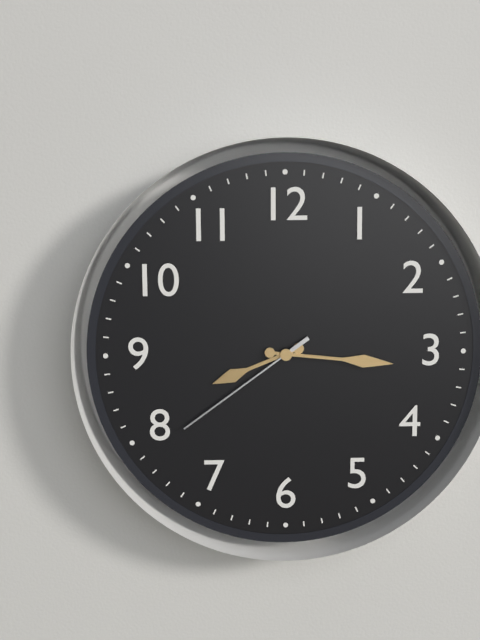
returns 8.16.39
